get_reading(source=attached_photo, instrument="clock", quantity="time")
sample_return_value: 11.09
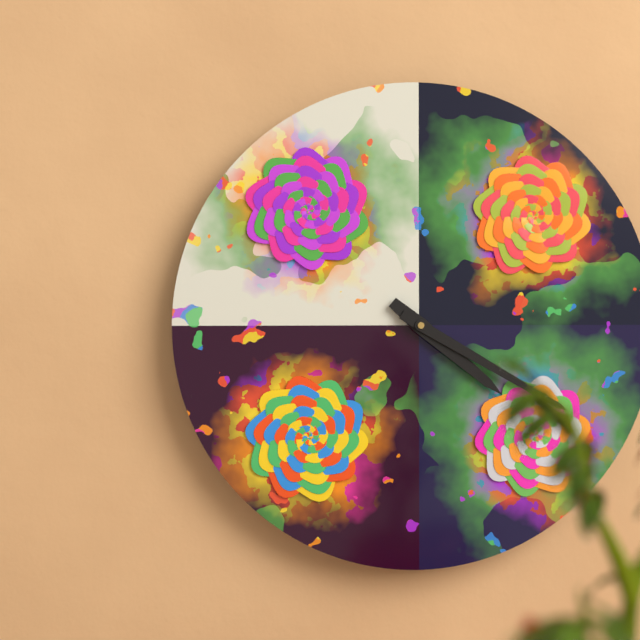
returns 4.20
